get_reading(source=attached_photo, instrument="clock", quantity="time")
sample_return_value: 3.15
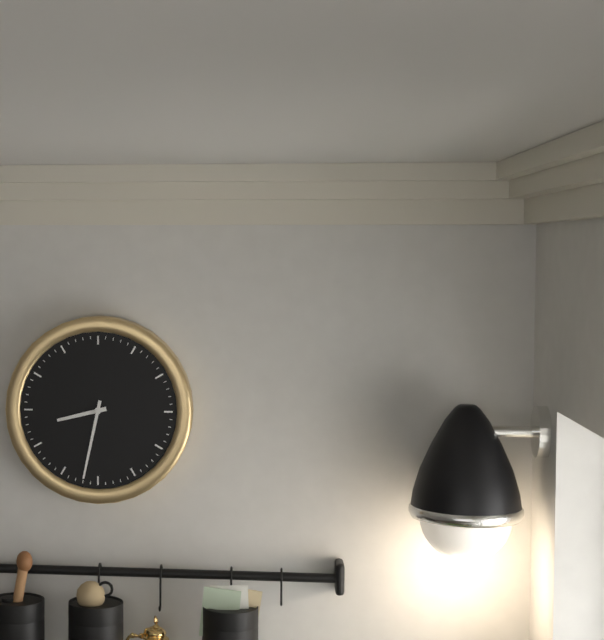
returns 8.32
